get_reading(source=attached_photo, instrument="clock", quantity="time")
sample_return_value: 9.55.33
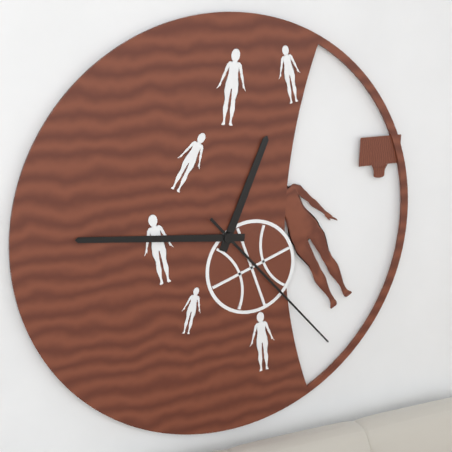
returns 12.46.23
